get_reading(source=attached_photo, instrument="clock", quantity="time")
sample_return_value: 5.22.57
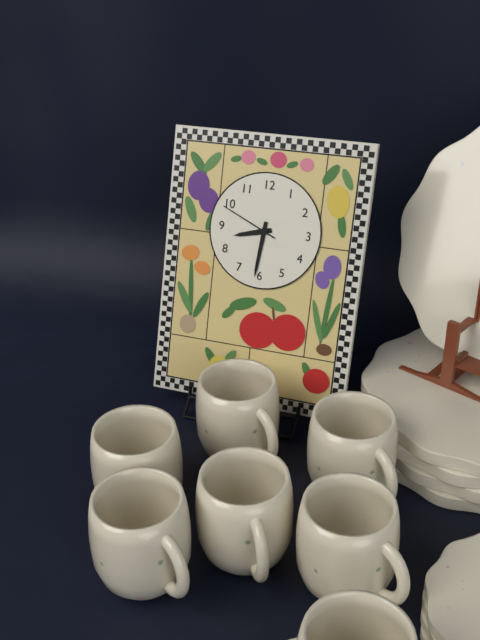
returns 8.31.49
